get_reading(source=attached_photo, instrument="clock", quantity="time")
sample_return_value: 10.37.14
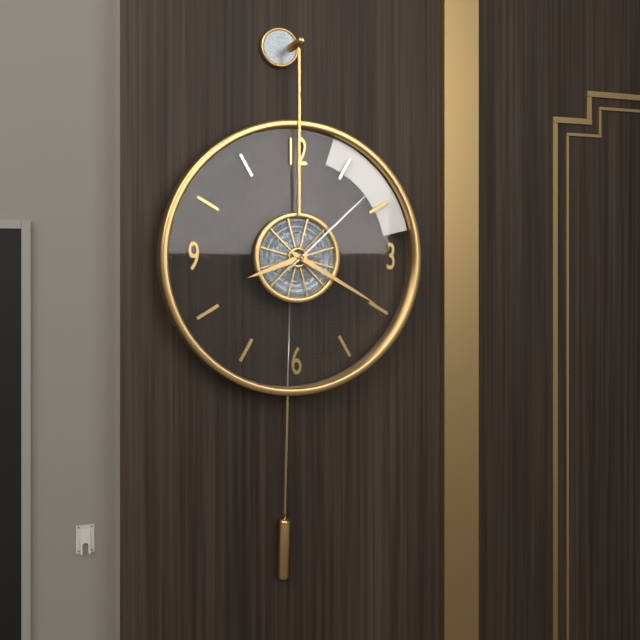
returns 8.20.08
